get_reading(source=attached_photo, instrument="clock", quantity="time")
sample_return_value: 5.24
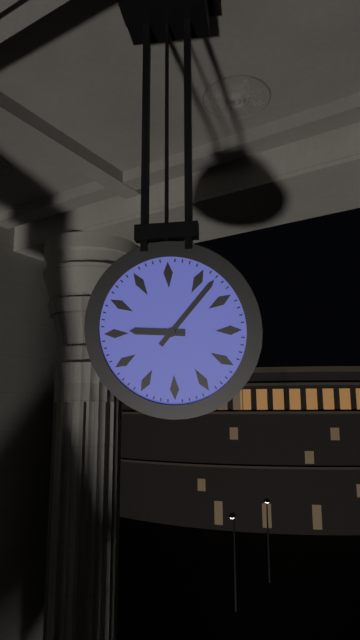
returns 9.07
